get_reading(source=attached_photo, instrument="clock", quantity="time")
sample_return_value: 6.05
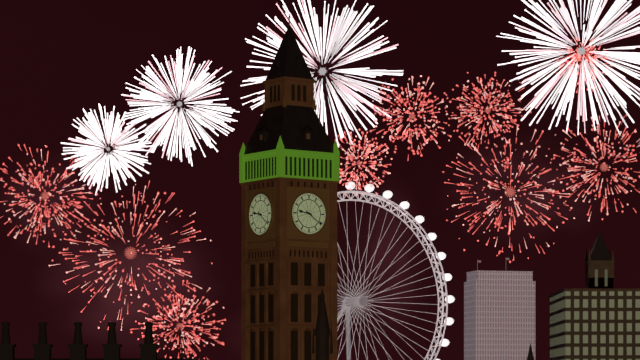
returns 9.21
